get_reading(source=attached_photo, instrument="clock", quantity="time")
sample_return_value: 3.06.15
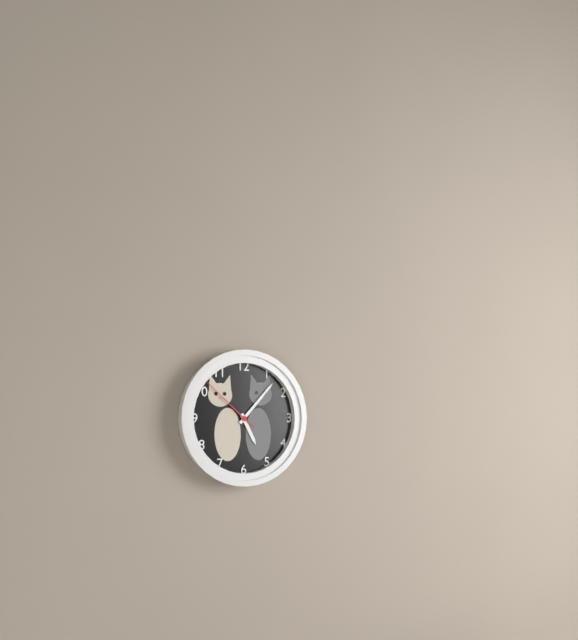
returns 5.07.52
